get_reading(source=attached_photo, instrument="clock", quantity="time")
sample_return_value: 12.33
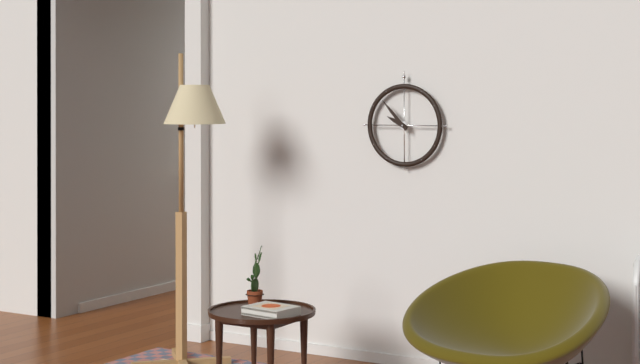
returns 9.53
